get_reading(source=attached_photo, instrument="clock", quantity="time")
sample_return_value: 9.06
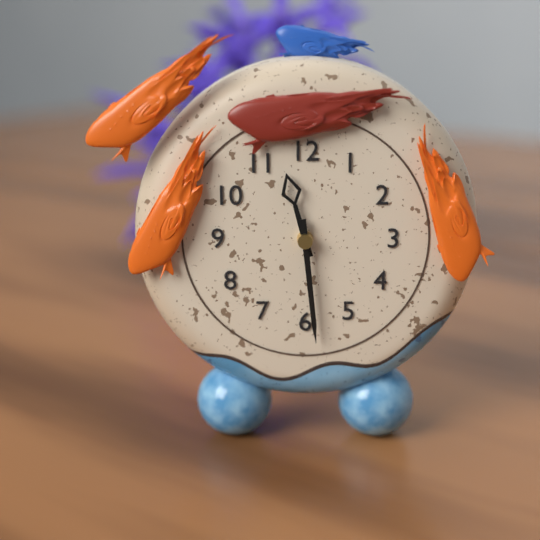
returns 11.29
